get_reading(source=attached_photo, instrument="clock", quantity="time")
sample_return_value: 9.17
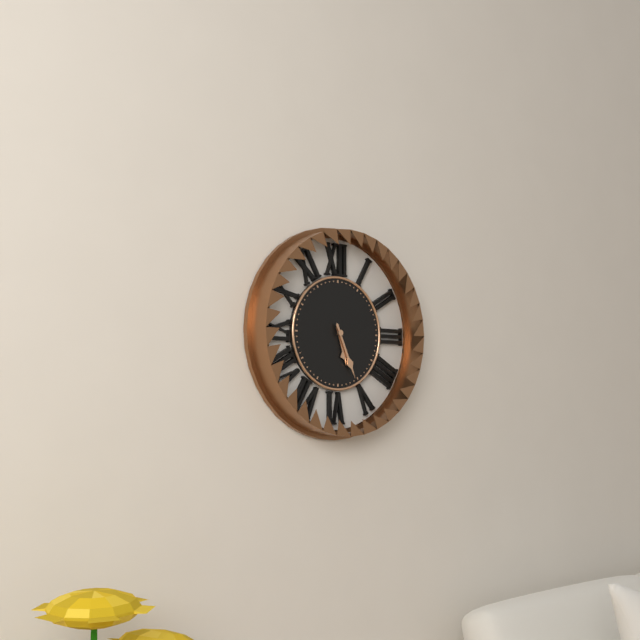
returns 5.26
